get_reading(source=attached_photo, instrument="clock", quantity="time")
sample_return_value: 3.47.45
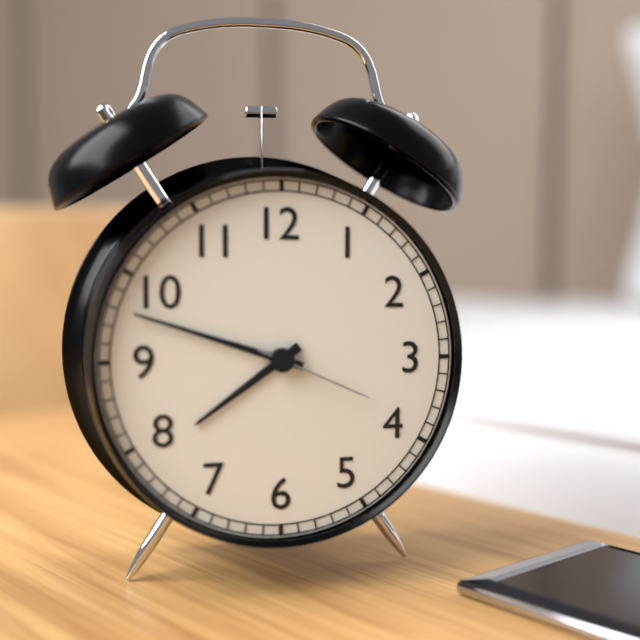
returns 7.48.19
